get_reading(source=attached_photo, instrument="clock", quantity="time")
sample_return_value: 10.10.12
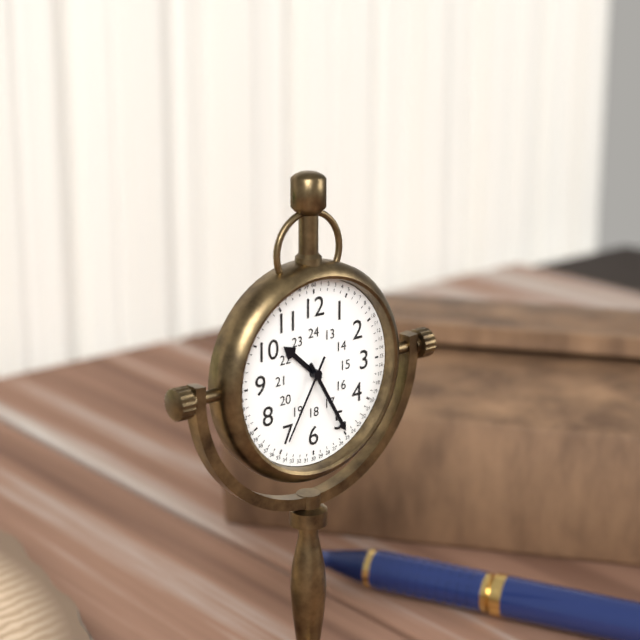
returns 10.25.35
